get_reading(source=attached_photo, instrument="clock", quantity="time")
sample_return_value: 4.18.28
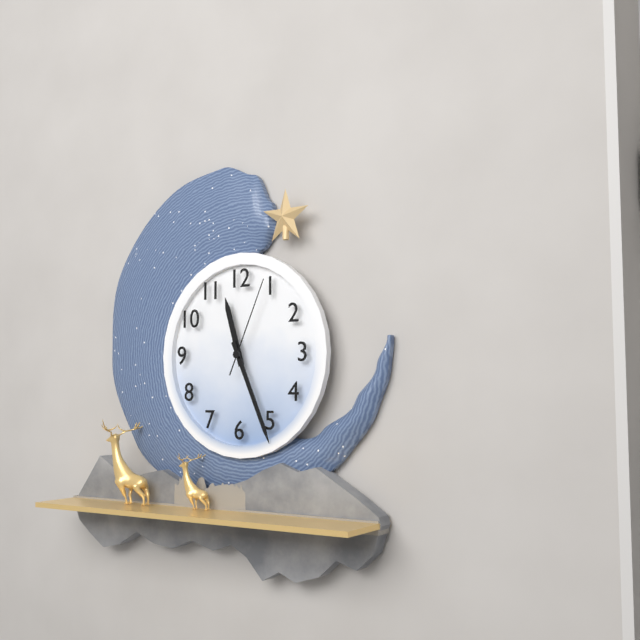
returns 11.26.04
